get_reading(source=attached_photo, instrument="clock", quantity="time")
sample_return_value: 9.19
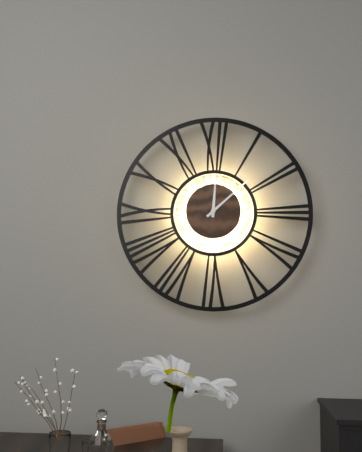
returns 12.08
